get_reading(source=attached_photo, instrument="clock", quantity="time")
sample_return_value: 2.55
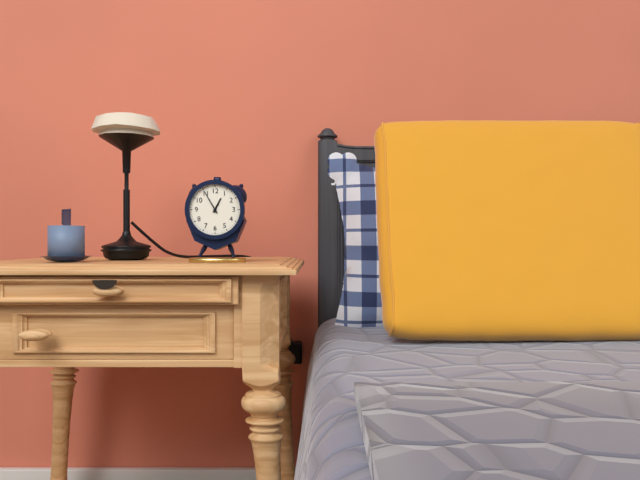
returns 12.55
